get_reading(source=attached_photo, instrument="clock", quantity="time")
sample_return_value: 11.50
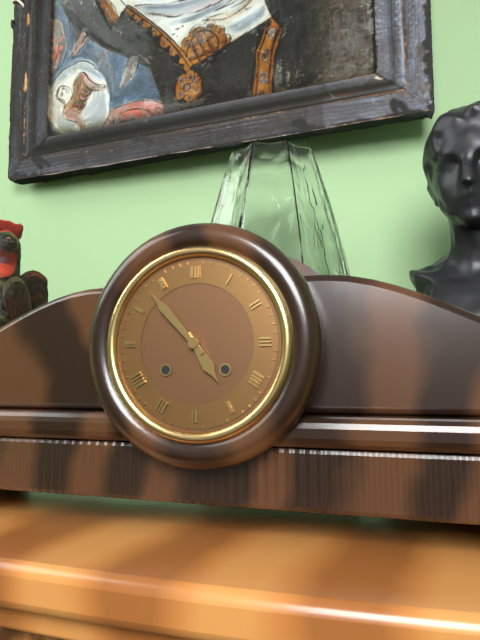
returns 4.53
